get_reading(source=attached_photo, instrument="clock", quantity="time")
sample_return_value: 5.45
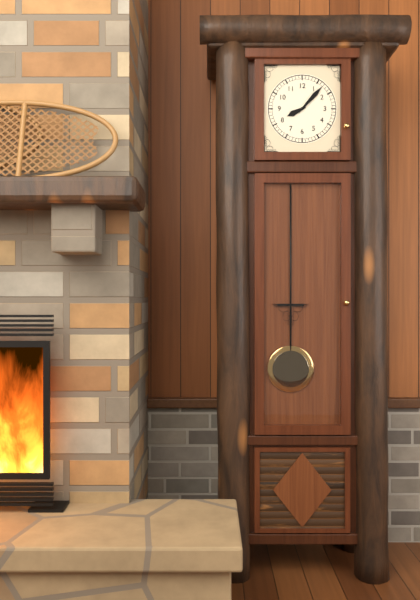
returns 8.07
